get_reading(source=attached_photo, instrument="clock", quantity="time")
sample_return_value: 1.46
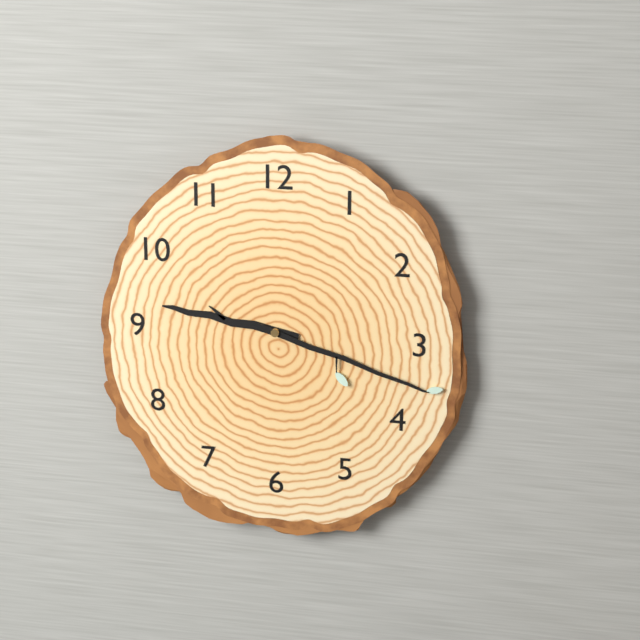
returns 9.18
